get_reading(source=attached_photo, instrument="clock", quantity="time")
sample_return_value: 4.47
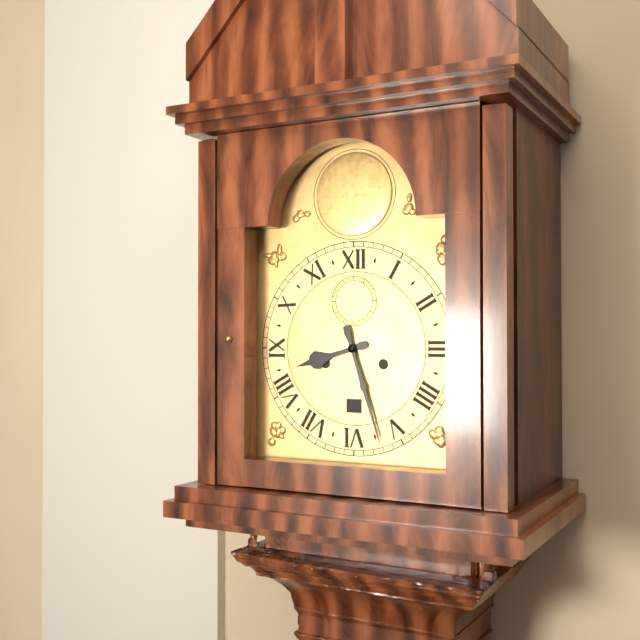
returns 8.27
